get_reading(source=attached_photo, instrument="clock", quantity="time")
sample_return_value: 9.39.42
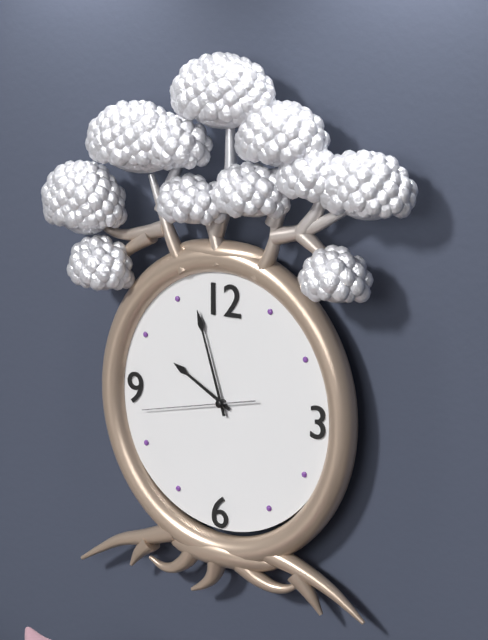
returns 9.57.43
